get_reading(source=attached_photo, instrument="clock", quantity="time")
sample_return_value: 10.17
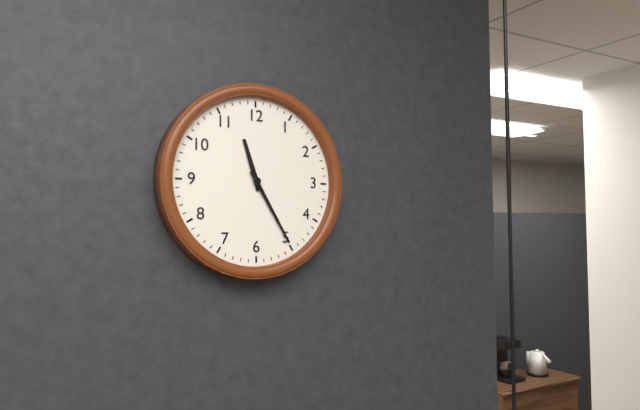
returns 11.25
